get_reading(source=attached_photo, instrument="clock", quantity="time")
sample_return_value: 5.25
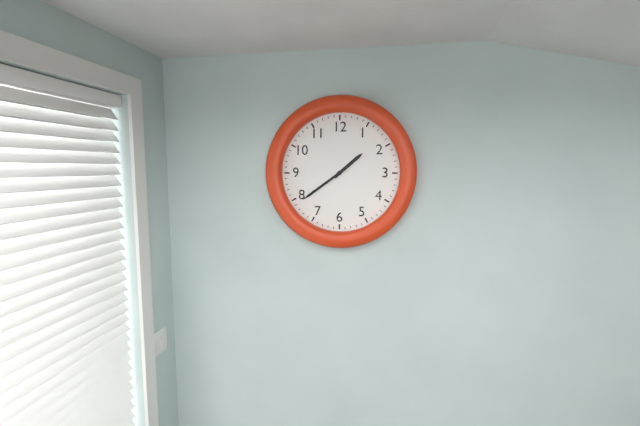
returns 1.39
